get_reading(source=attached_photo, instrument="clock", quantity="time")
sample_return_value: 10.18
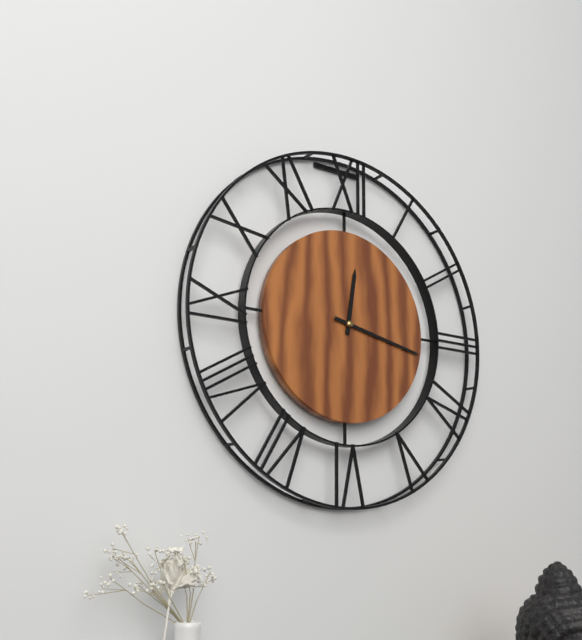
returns 12.17
